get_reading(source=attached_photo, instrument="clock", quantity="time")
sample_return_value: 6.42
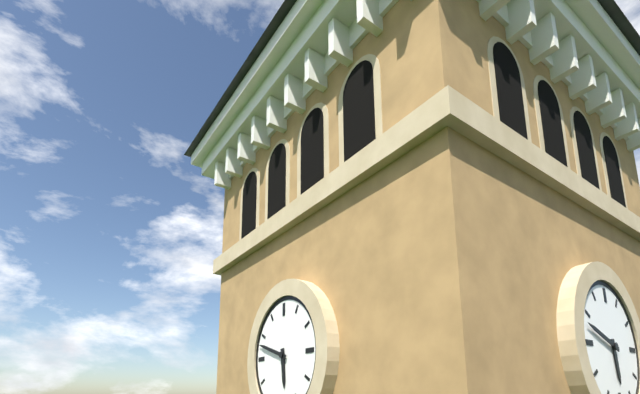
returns 5.48
